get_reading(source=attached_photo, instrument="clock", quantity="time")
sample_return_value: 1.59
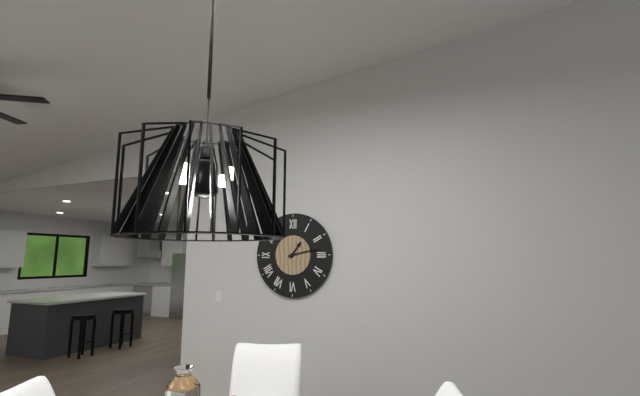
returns 1.13
